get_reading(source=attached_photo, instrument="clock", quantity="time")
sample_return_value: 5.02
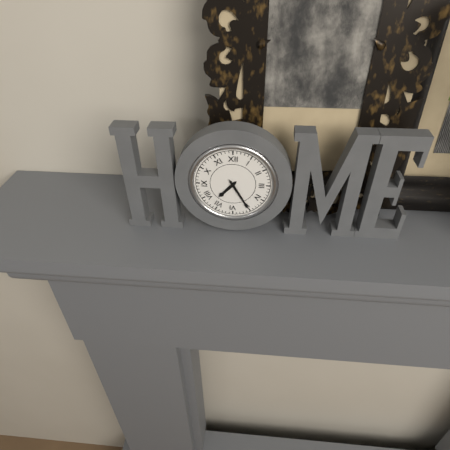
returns 7.25
